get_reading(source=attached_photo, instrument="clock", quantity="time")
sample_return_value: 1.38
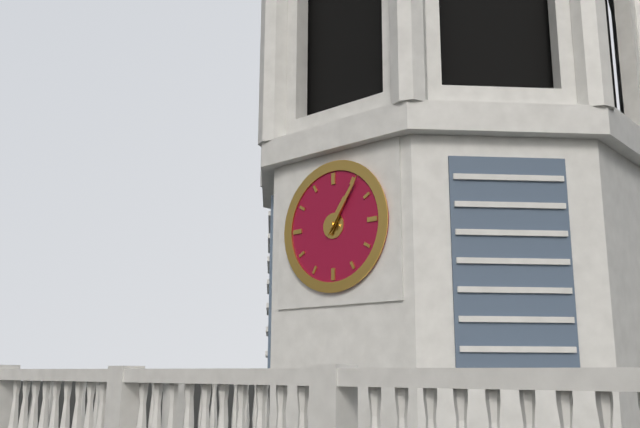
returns 1.06
